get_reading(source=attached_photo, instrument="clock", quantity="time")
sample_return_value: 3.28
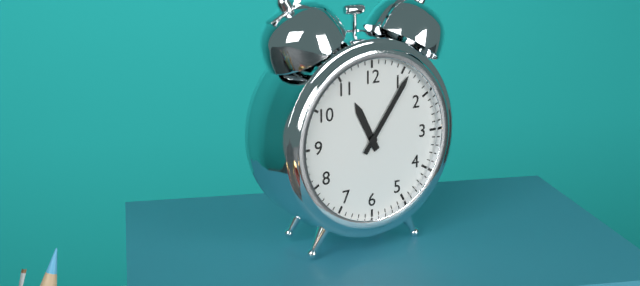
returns 11.06
